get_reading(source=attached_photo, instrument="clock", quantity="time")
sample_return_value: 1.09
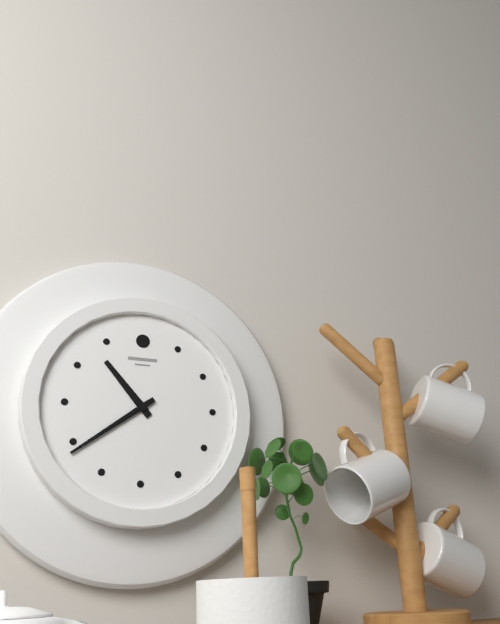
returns 10.39
